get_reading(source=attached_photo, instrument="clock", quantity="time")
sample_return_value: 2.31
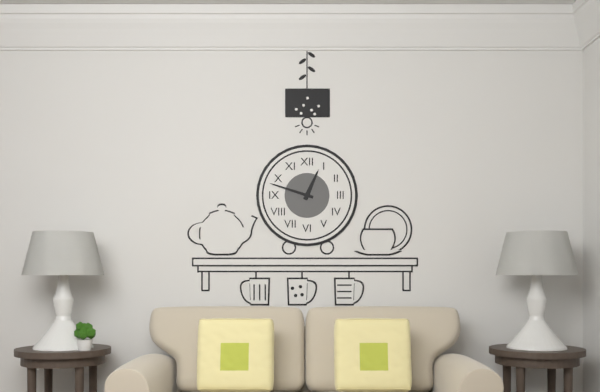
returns 12.48
